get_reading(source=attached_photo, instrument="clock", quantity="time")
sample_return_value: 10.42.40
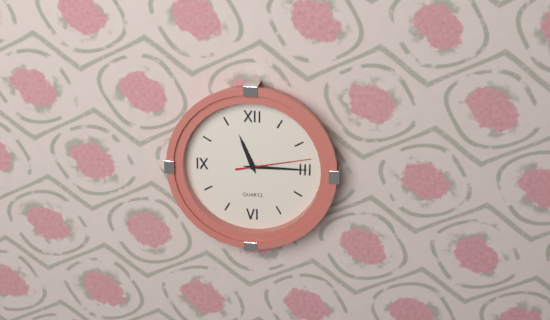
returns 11.15.13
